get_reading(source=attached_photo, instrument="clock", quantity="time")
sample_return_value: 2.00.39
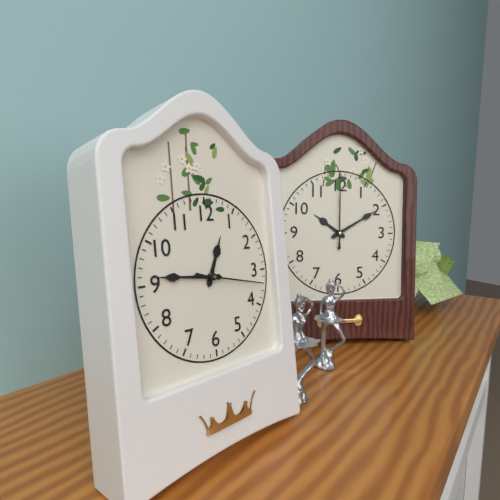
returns 12.46.17
